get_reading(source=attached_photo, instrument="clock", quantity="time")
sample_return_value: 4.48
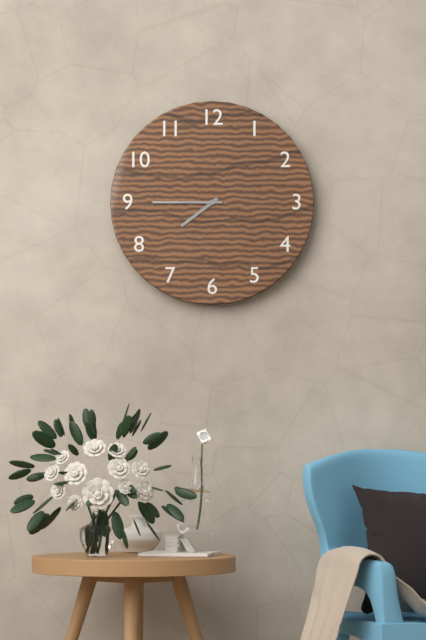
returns 7.45
